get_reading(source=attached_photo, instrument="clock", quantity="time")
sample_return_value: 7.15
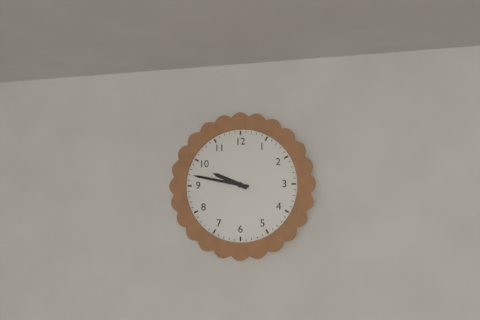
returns 9.47
